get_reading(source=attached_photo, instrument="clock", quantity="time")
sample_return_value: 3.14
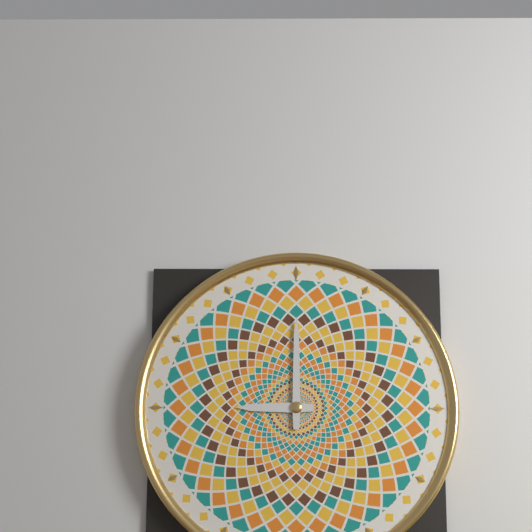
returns 9.00
